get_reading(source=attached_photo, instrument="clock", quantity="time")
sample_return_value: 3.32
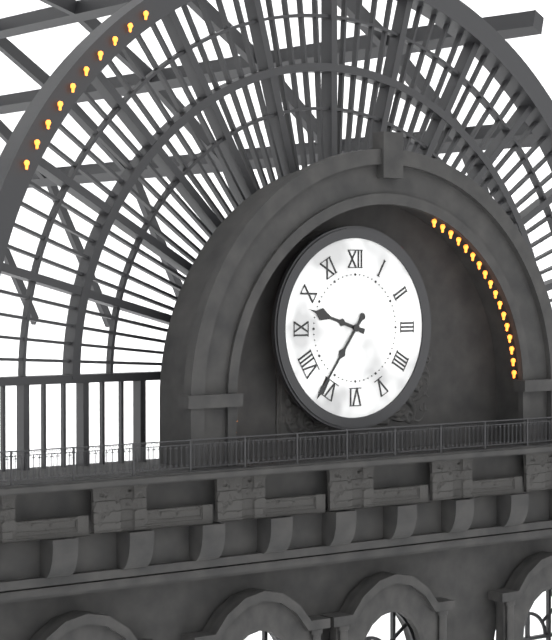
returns 9.36
